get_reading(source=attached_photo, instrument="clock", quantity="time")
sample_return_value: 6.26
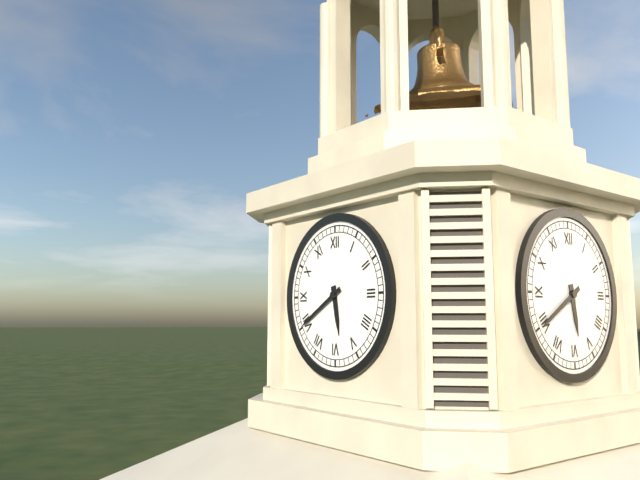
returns 5.40
